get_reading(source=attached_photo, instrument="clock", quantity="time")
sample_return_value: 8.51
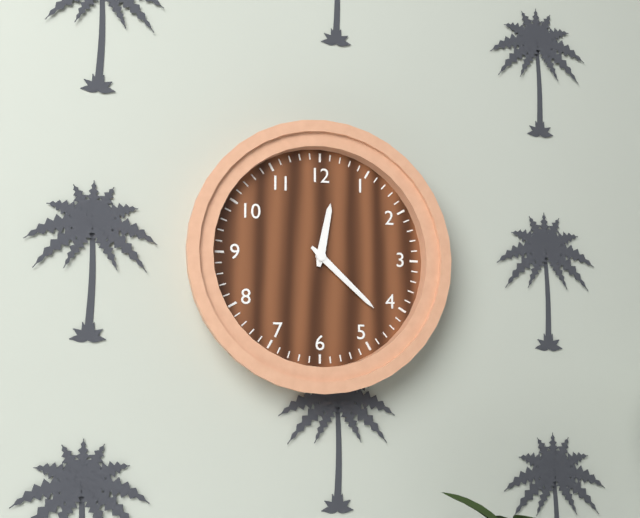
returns 12.22
